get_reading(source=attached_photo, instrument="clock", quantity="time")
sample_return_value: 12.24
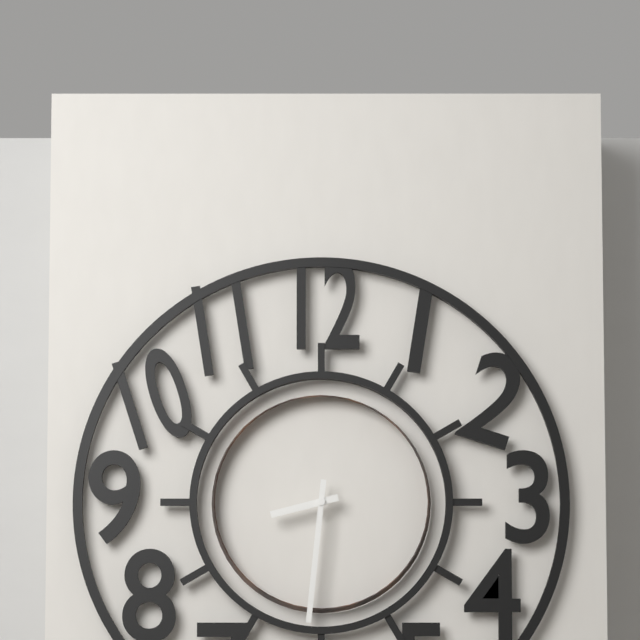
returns 8.31
